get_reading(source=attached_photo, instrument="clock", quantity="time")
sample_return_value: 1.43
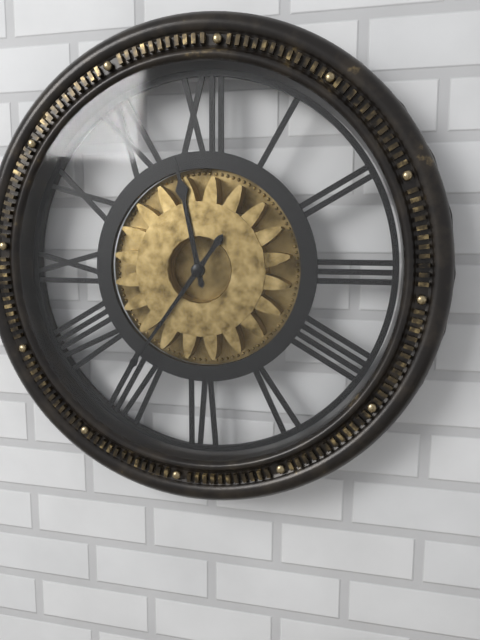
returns 11.36
